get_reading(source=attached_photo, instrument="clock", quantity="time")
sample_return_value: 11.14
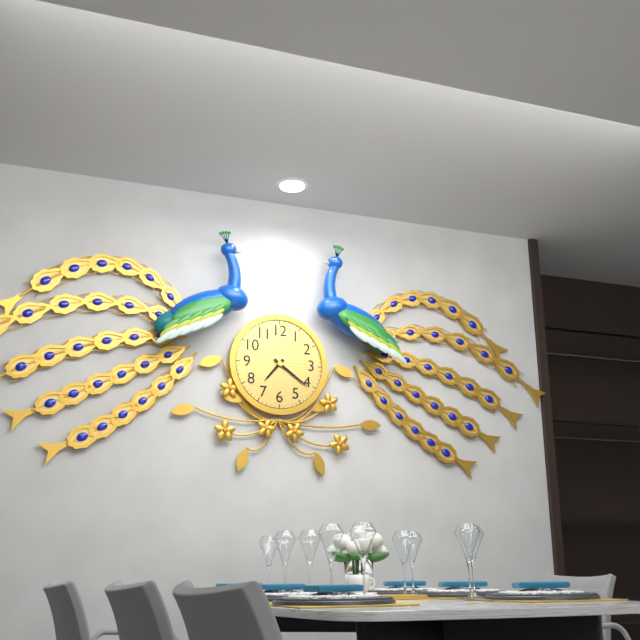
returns 7.21
